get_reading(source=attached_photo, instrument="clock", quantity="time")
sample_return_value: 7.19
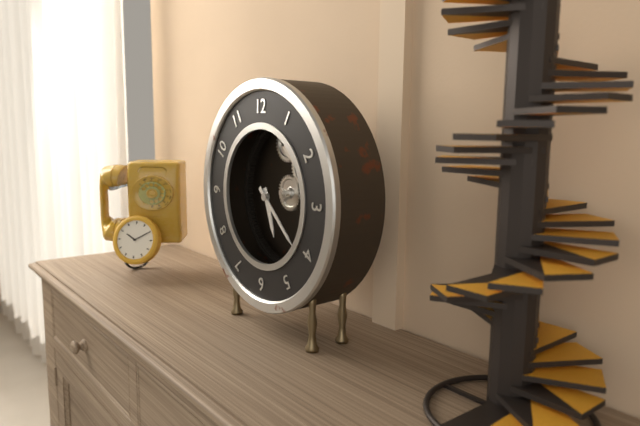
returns 5.22
